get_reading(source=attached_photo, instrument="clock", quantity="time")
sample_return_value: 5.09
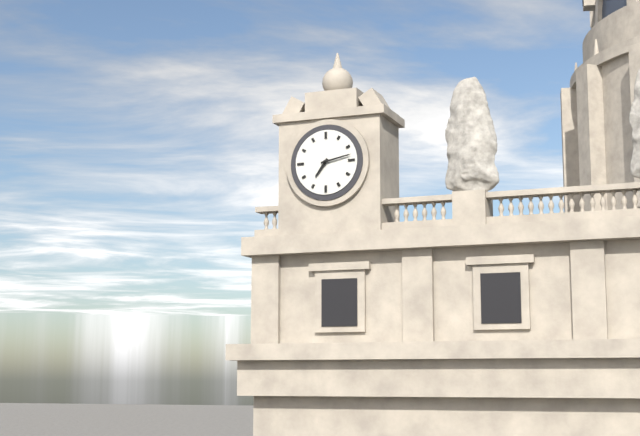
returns 7.13
